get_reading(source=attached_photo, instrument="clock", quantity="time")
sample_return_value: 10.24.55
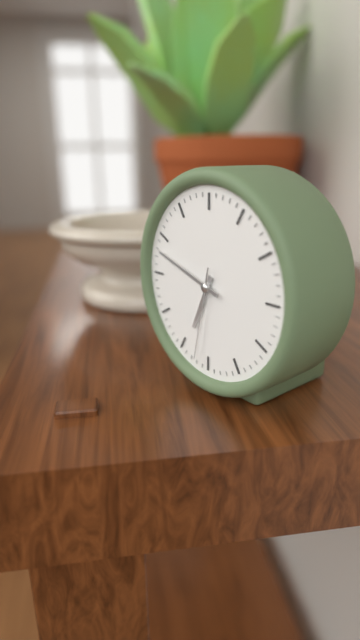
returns 6.48.32
